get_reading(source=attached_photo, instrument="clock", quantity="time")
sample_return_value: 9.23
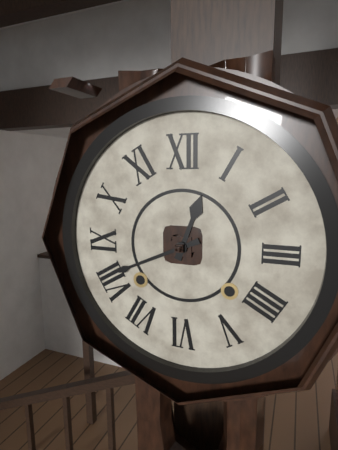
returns 12.41
